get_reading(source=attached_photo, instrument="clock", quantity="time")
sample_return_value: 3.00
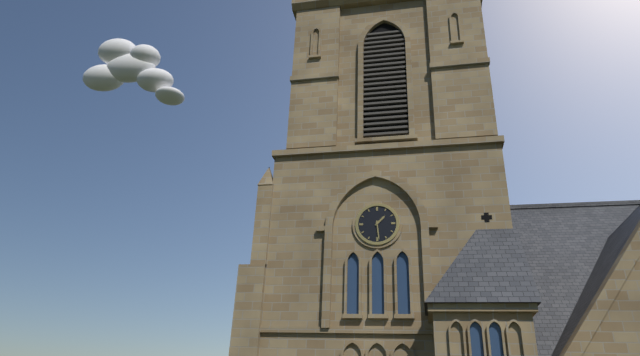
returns 1.29
